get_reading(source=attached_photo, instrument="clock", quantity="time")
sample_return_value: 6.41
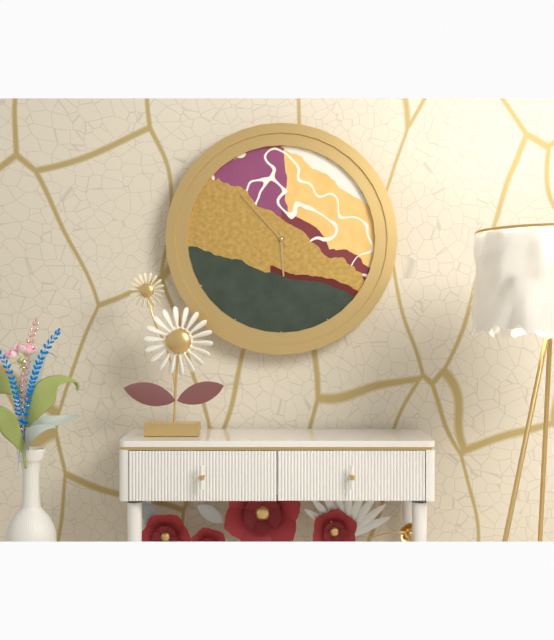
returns 5.53
